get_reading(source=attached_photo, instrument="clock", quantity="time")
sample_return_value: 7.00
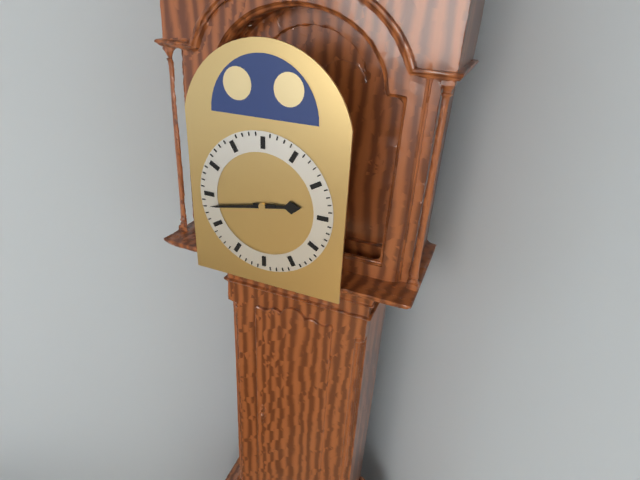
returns 2.43
